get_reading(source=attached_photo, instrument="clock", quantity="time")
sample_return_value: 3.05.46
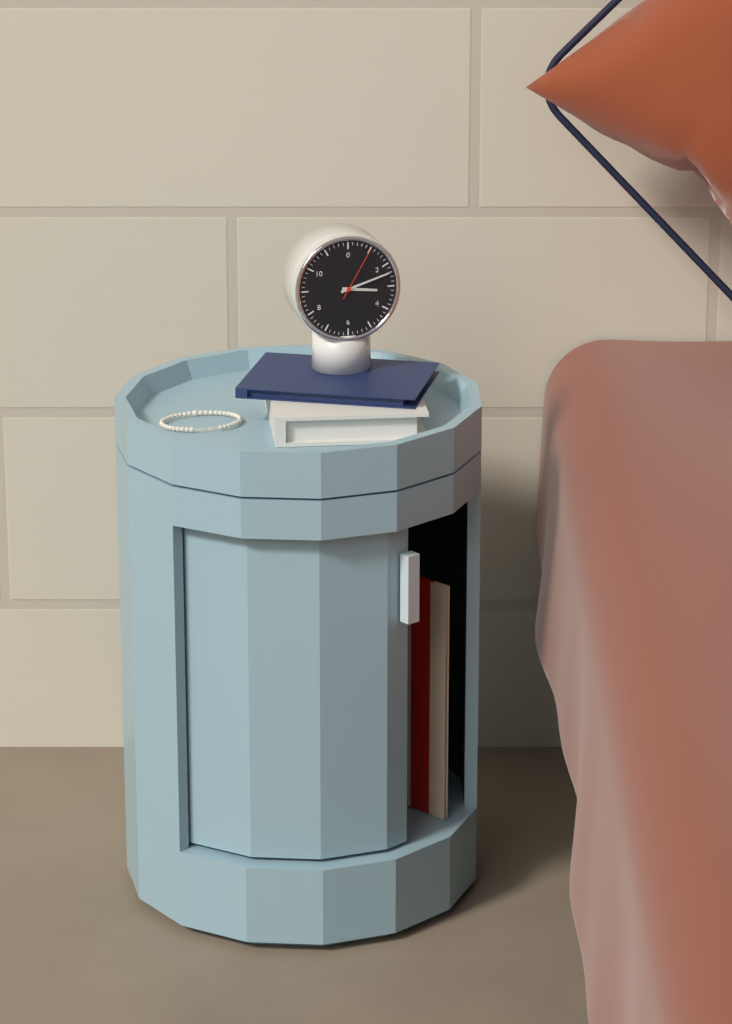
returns 3.12.05
